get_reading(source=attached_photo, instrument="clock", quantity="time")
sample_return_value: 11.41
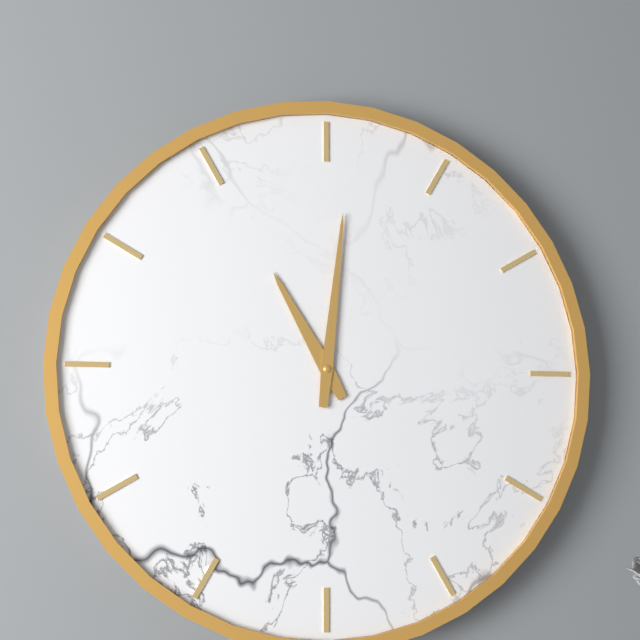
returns 11.01
